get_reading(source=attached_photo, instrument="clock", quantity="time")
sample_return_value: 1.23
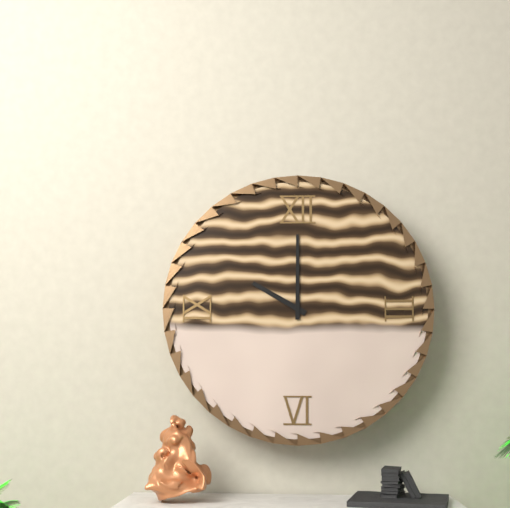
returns 10.00
